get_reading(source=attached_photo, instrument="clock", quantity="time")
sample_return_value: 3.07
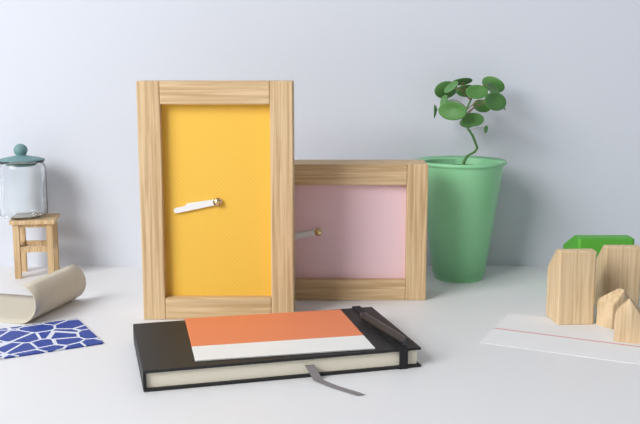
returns 8.43
